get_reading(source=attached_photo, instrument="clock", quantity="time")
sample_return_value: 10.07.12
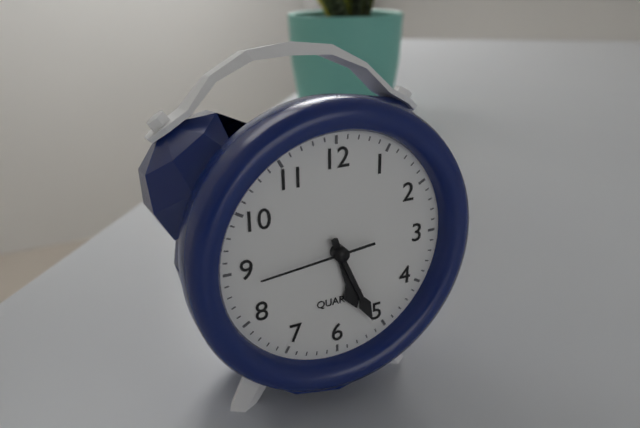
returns 5.26.44
